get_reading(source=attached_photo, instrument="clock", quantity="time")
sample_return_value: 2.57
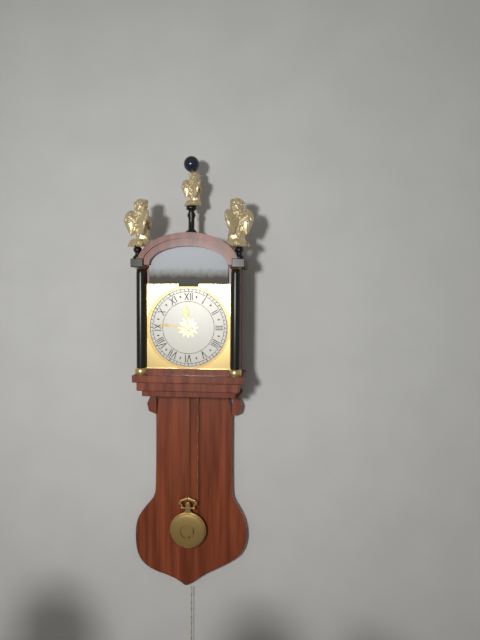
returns 11.46
